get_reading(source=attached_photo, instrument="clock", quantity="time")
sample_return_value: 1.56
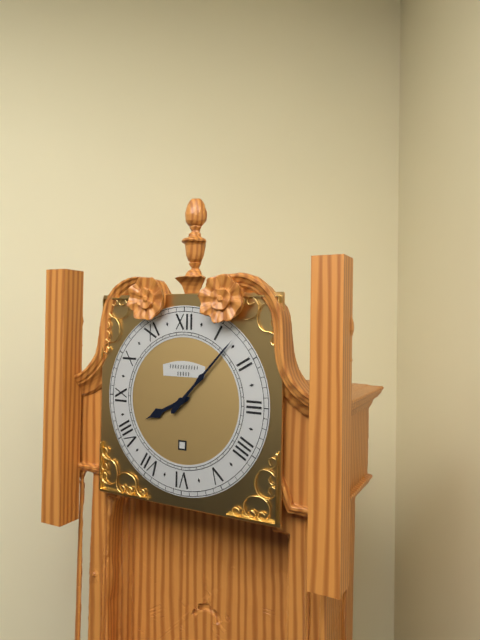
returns 8.07
